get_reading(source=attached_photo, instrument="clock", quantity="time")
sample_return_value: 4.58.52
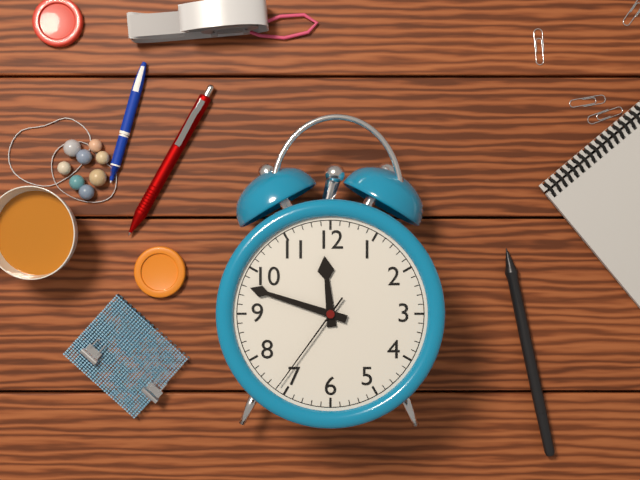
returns 11.48.36
